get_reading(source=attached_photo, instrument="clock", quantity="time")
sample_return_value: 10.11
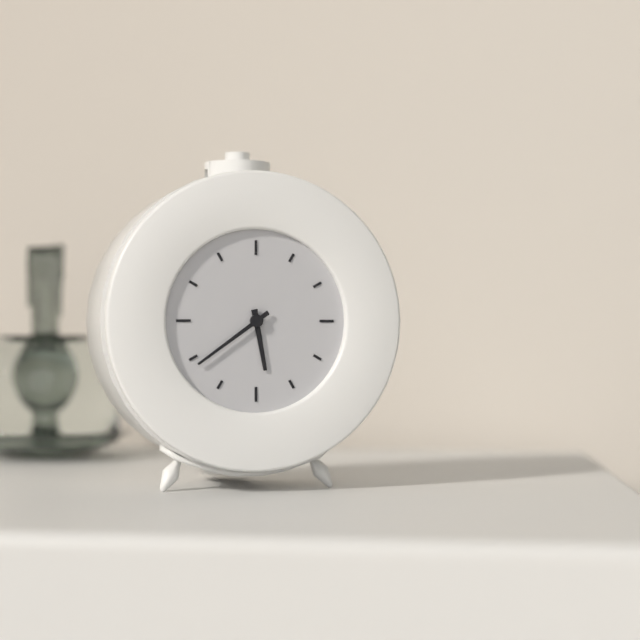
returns 5.39
